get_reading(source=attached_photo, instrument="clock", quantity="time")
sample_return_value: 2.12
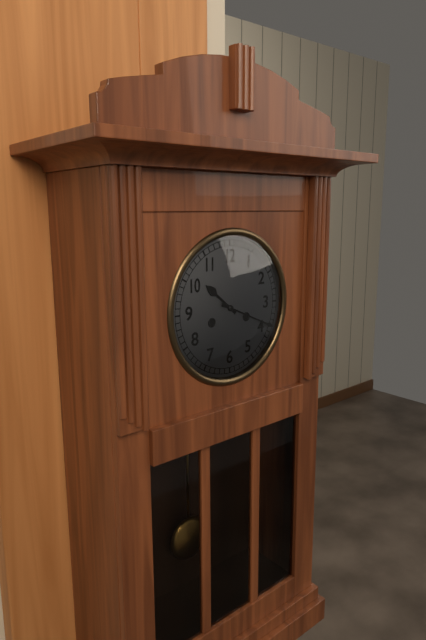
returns 10.19
